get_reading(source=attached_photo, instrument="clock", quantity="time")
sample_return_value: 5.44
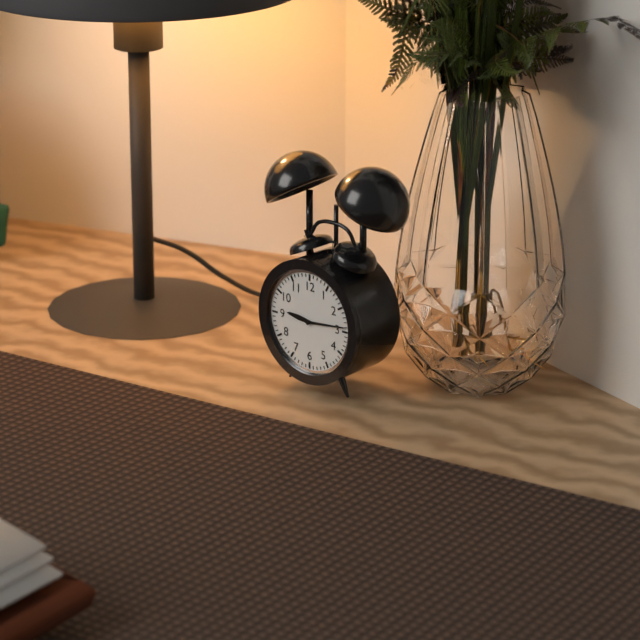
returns 9.14
